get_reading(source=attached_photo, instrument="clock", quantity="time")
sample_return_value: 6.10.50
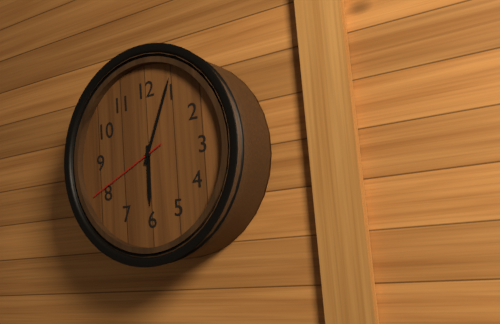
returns 6.04.41
